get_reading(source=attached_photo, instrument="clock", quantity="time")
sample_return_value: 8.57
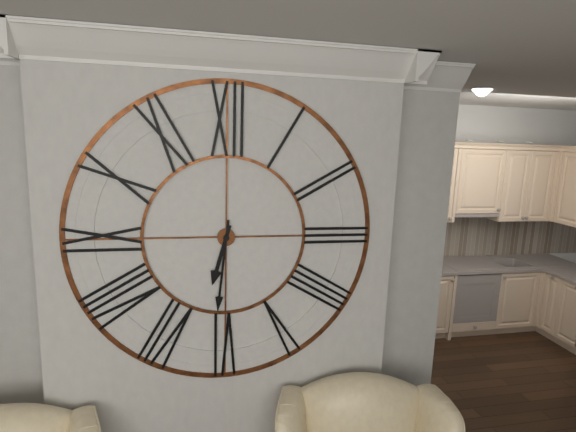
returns 6.31
